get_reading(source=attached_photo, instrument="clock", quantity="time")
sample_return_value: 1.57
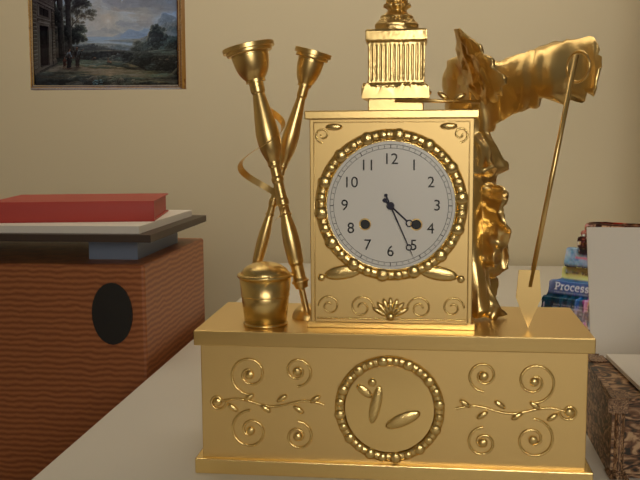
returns 4.26
